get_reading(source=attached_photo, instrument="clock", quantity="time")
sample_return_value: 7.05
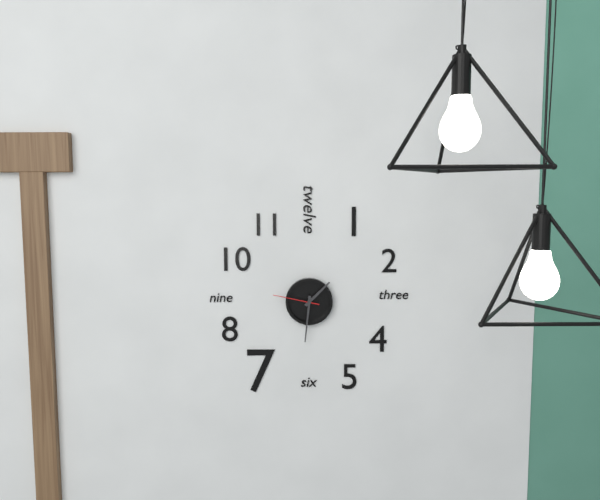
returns 1.31
